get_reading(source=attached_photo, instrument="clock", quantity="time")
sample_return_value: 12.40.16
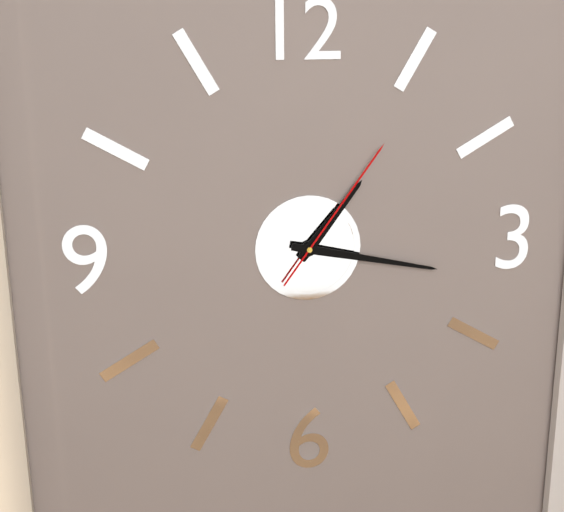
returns 1.17.06
